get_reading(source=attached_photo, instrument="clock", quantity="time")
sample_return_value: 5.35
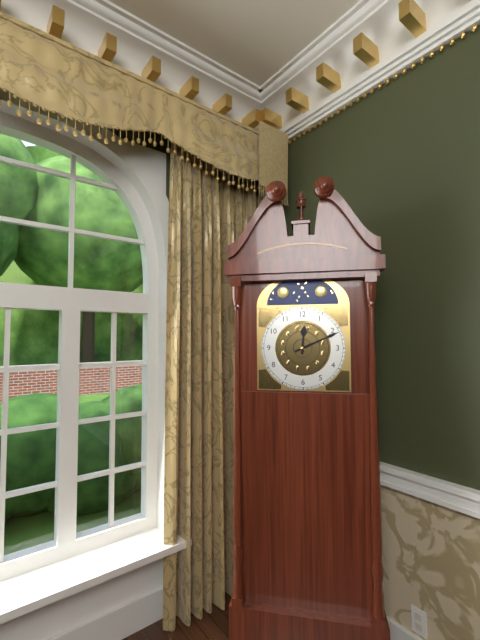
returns 12.11
